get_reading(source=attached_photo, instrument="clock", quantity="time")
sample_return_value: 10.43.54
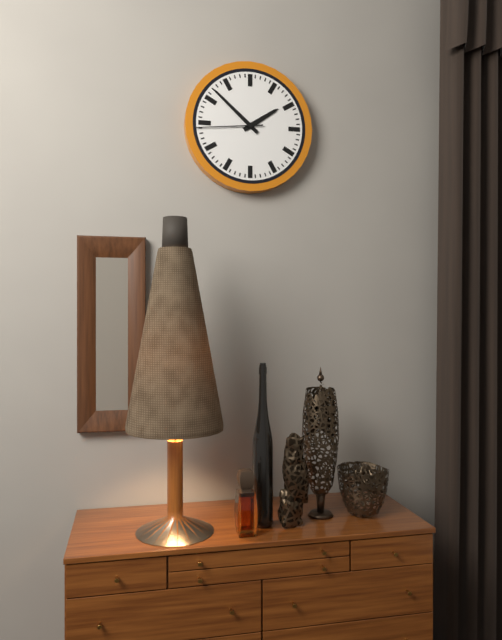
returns 1.52.44
